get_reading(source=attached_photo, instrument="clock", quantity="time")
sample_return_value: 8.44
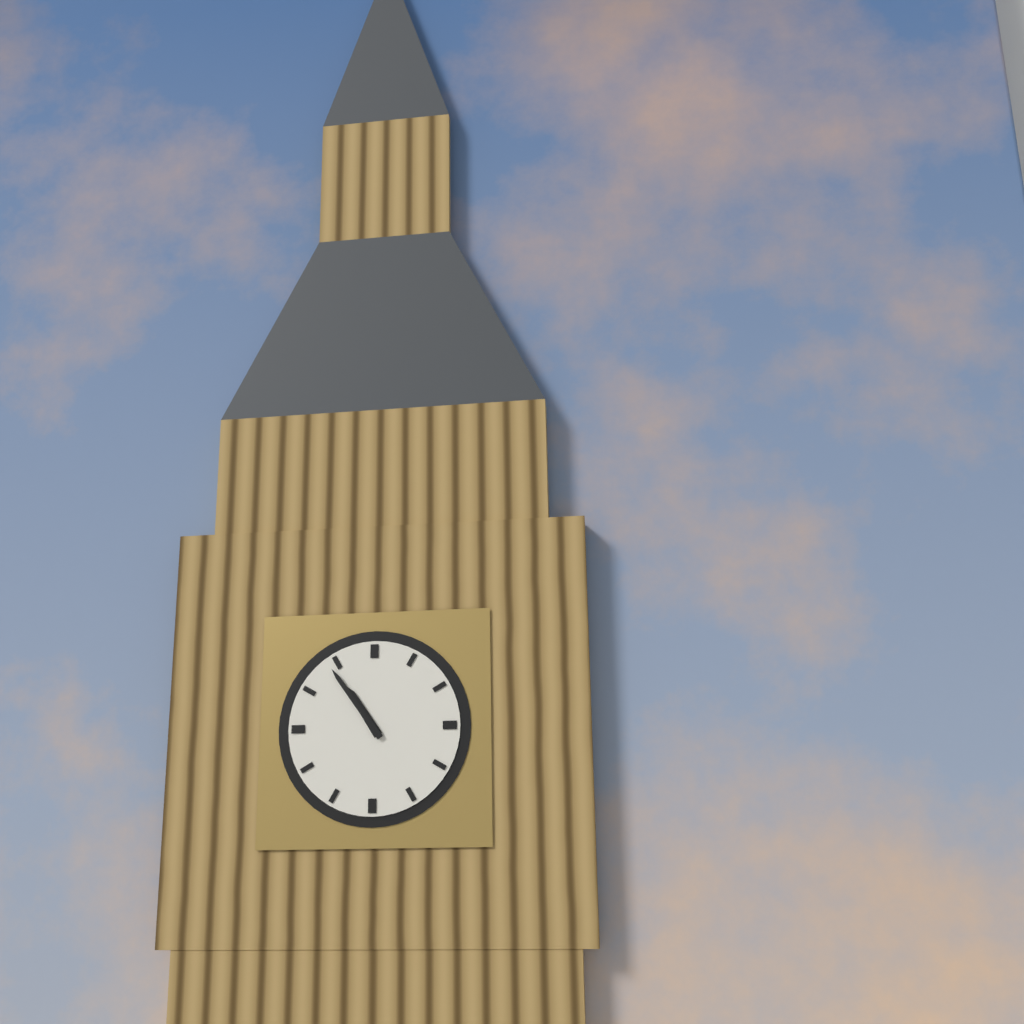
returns 10.54
